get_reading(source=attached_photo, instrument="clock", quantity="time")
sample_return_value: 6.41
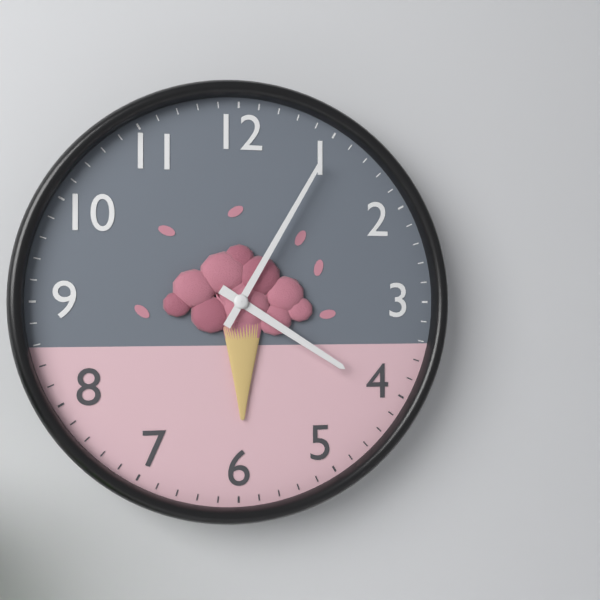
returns 4.05
